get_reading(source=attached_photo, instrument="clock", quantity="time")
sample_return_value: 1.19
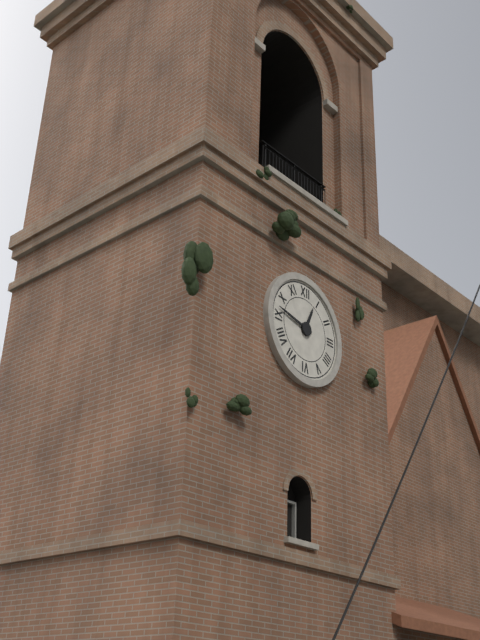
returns 12.47
